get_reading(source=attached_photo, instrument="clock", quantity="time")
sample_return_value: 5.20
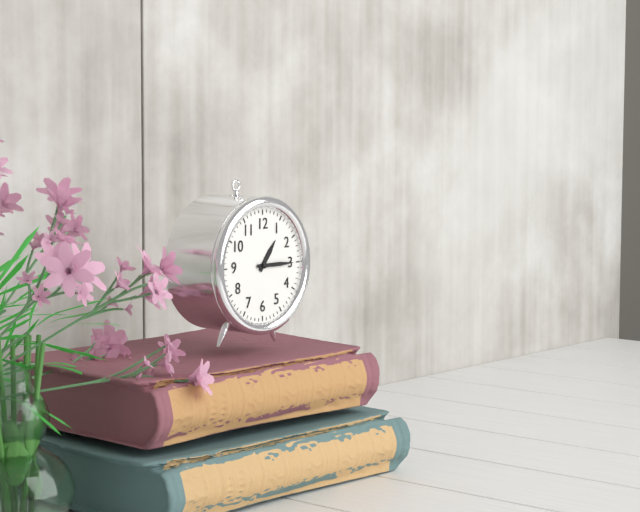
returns 1.15
